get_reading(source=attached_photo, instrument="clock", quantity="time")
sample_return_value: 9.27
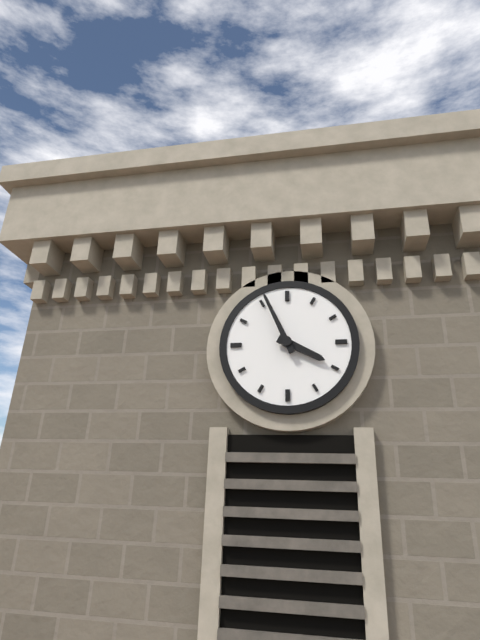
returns 3.56
